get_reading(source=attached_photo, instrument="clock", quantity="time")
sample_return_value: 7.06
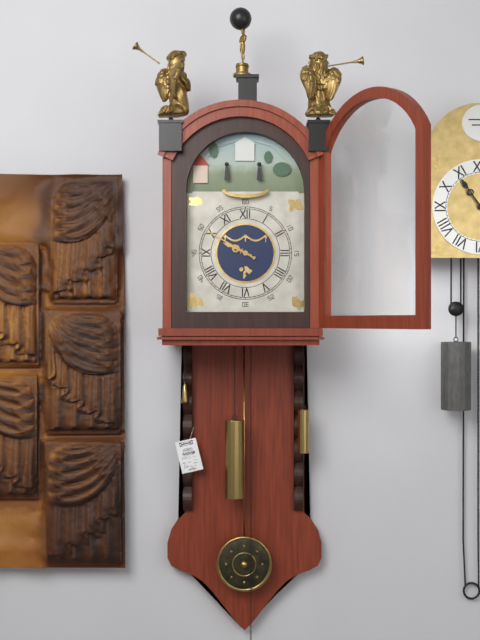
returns 9.50
